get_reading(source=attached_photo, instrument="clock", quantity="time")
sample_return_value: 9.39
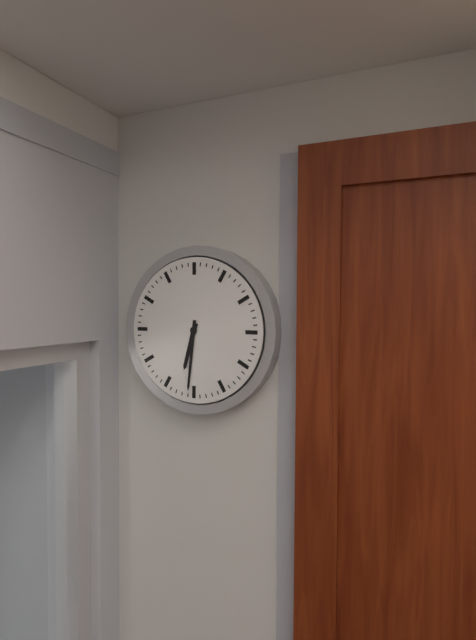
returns 6.31
